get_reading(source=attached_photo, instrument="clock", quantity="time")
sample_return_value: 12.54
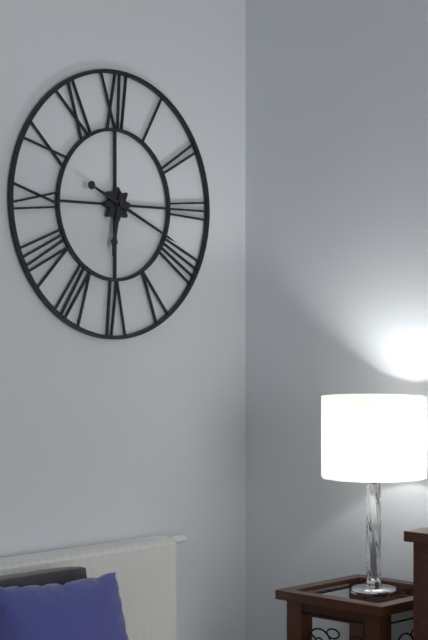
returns 6.19
